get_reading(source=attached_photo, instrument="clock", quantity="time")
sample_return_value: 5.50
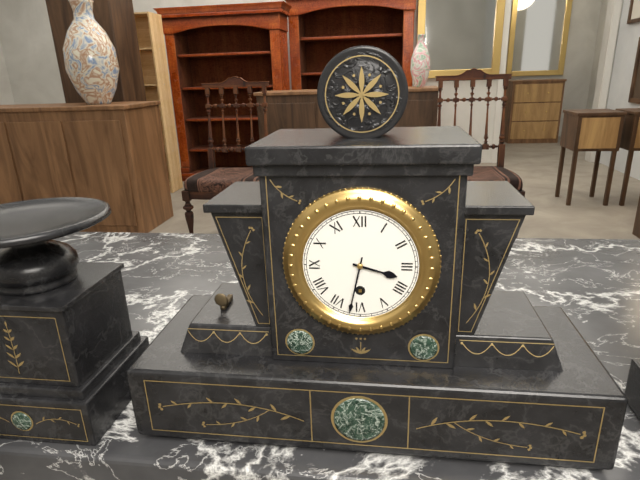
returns 3.32
